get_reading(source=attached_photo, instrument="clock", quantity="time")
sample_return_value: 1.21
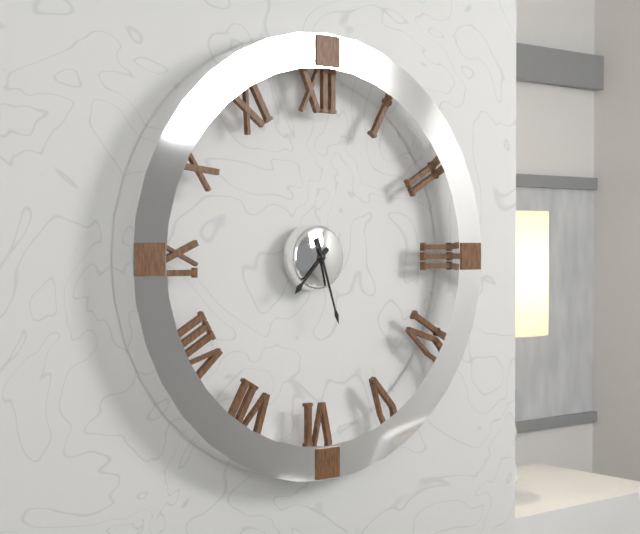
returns 7.27
